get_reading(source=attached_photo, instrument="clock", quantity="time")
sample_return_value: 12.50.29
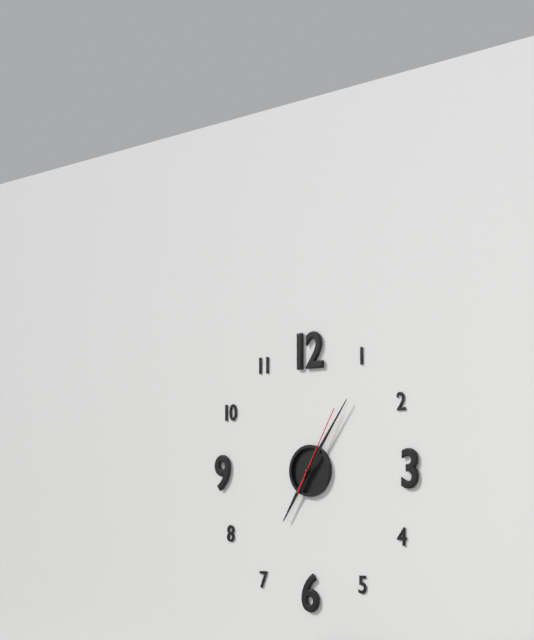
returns 7.06.05
